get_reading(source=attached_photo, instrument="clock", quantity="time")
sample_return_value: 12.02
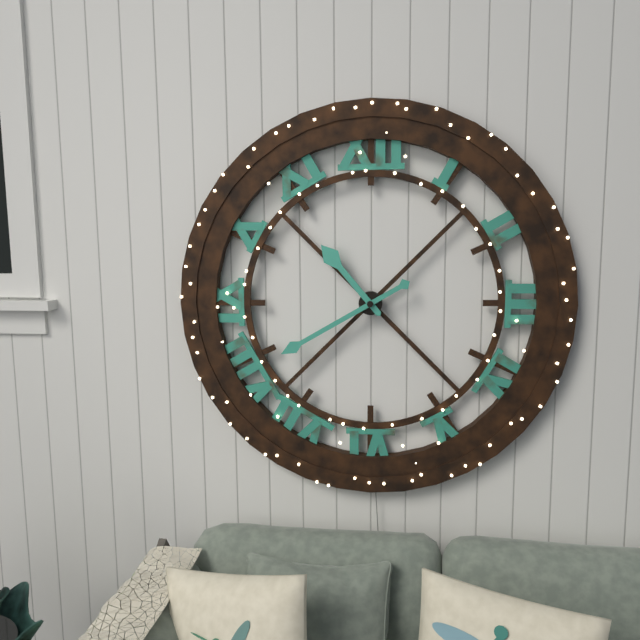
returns 10.40
